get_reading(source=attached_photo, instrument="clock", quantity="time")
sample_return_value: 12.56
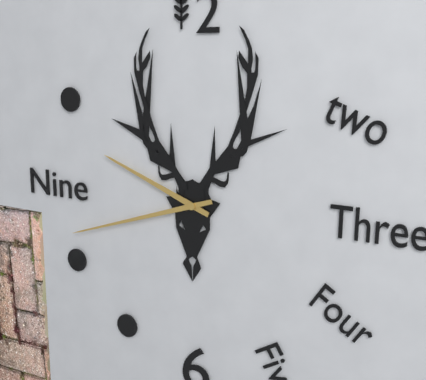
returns 9.42
